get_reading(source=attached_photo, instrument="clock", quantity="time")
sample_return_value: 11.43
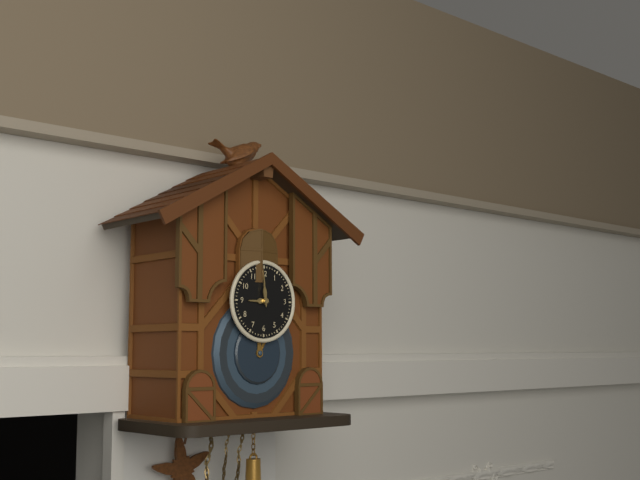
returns 8.59
